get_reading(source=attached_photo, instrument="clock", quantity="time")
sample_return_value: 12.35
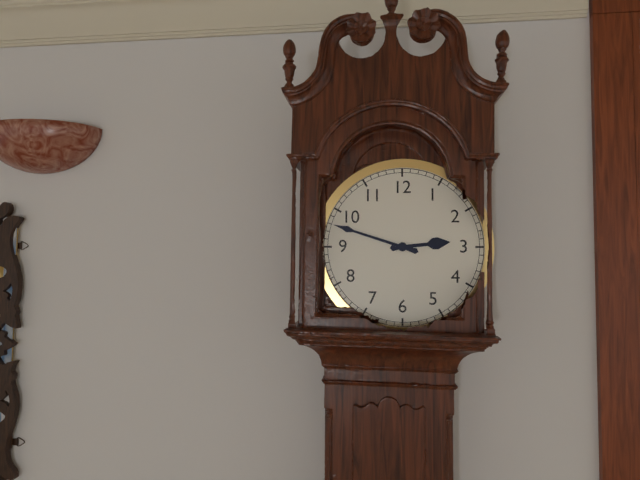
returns 2.48
